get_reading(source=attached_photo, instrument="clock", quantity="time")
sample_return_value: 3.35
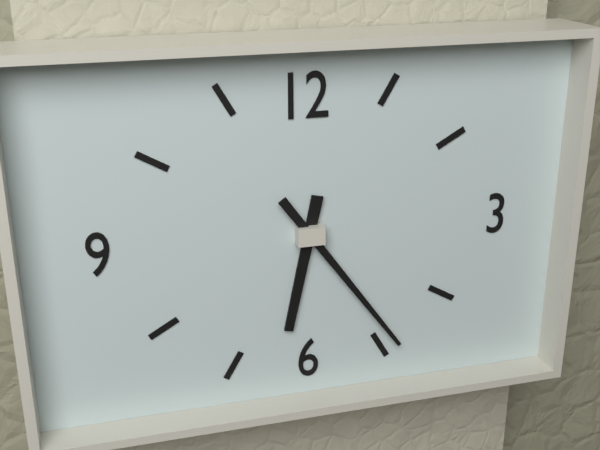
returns 6.24
